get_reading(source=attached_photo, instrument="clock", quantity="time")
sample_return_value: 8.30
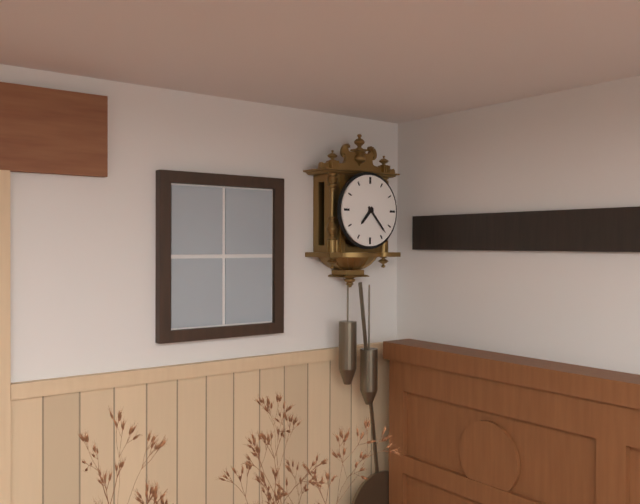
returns 7.23
